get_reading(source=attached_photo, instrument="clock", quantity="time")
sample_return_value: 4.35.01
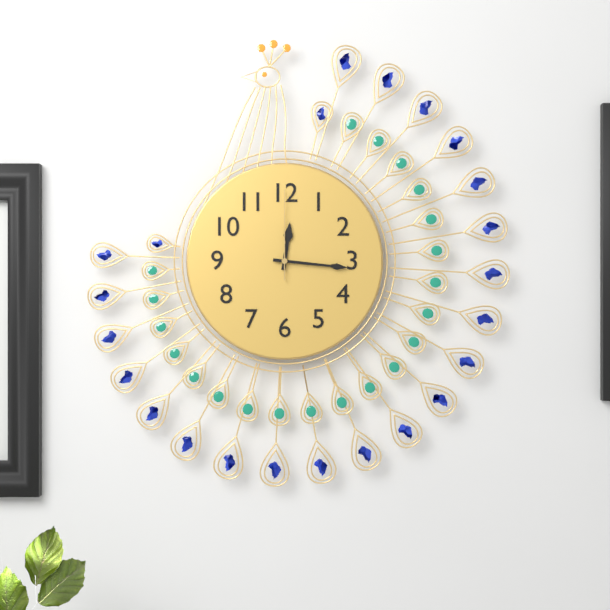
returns 12.16.00
